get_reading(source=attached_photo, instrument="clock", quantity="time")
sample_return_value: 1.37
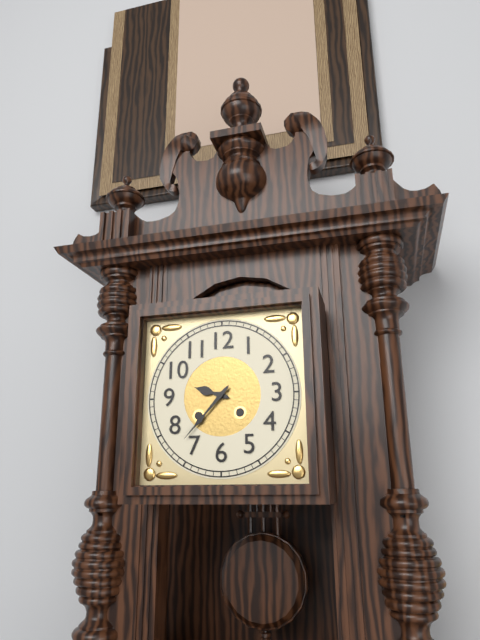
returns 9.37
